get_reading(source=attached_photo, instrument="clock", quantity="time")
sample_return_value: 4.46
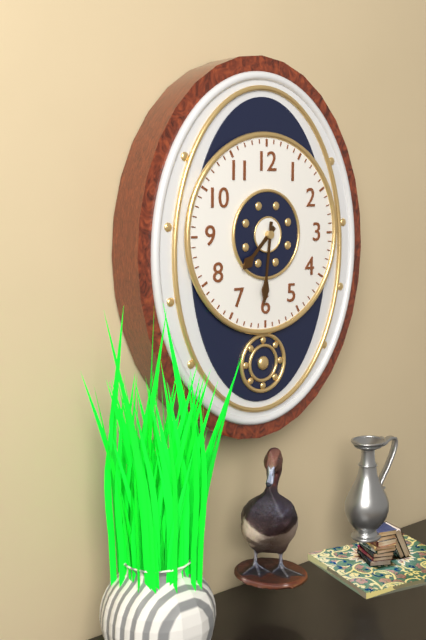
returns 7.31
